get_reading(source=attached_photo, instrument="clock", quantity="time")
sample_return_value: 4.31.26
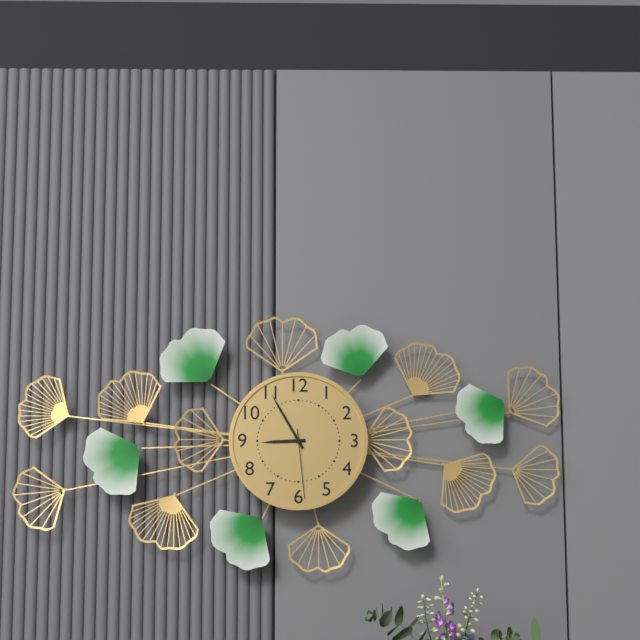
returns 8.55.29
